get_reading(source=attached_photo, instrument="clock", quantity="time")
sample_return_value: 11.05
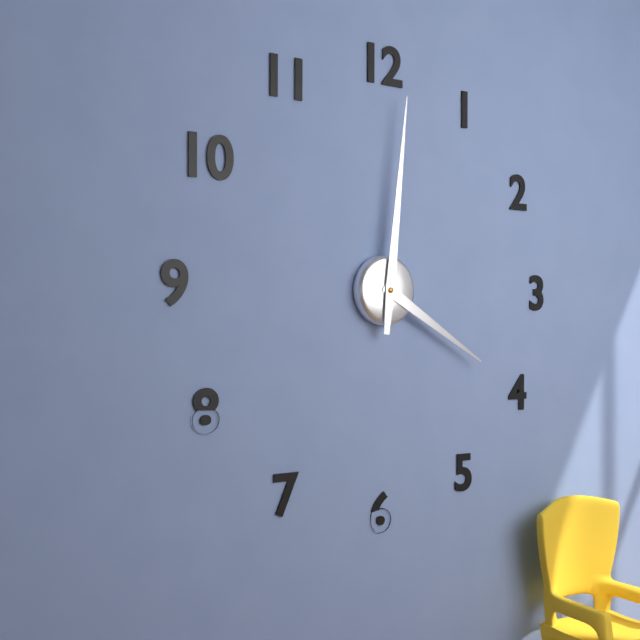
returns 4.01
